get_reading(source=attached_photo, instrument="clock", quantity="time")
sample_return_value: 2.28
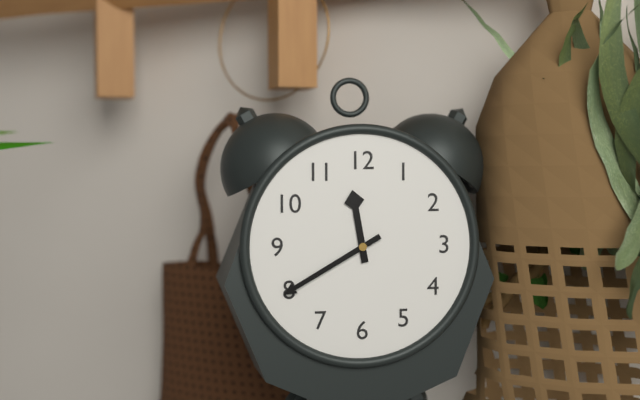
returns 11.40
